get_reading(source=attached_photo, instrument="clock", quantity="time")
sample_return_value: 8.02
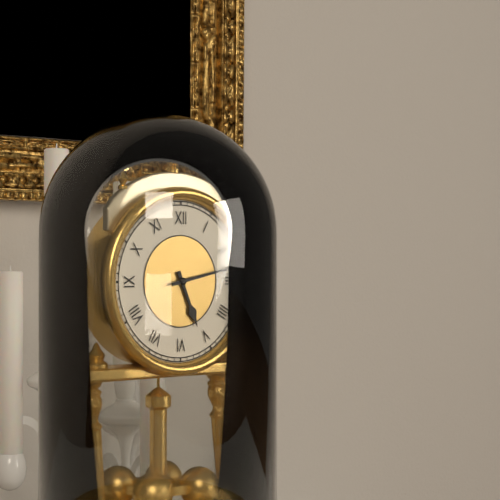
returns 5.13
